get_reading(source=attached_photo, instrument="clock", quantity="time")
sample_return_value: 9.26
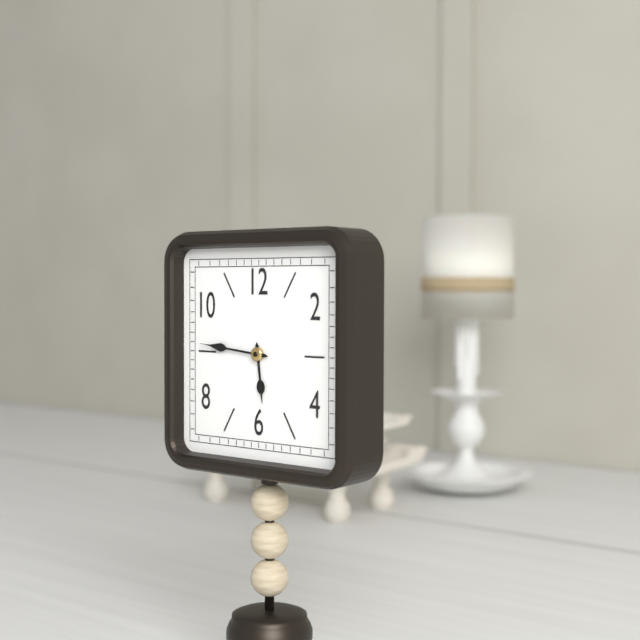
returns 5.46
